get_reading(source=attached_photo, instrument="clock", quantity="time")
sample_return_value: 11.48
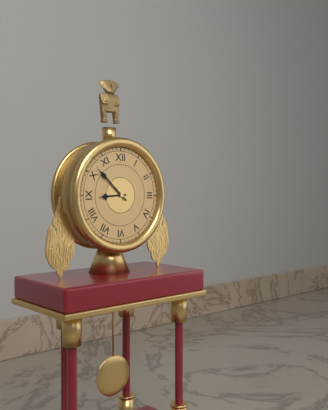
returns 8.52
